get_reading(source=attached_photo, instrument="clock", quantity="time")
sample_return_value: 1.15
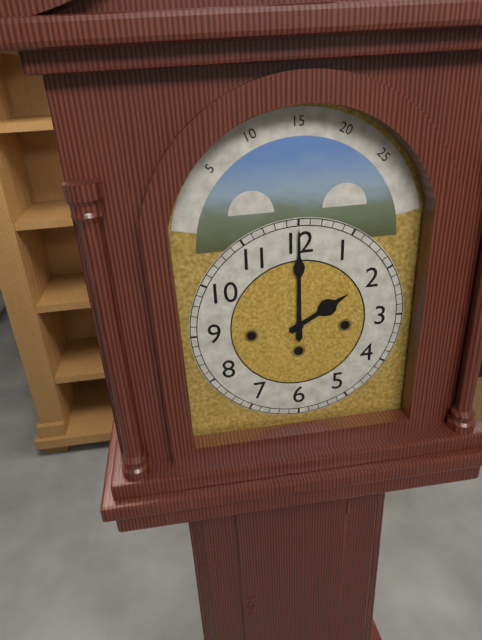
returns 2.00
